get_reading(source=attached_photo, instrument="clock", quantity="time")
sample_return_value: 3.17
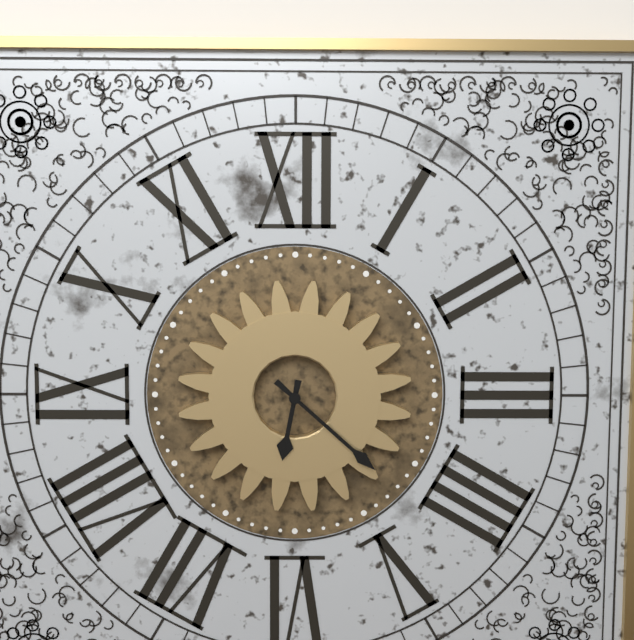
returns 6.22
